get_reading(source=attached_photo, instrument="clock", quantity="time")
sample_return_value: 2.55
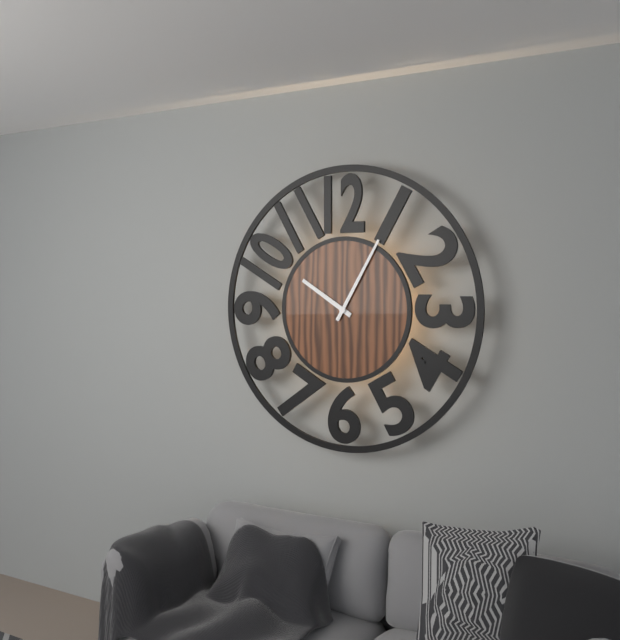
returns 10.05
